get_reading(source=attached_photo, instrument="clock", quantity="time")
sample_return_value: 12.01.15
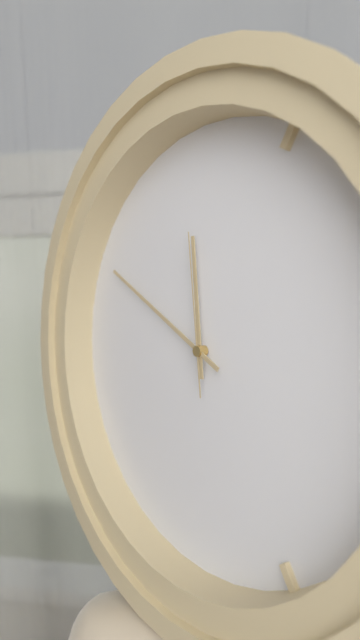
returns 11.50.59
